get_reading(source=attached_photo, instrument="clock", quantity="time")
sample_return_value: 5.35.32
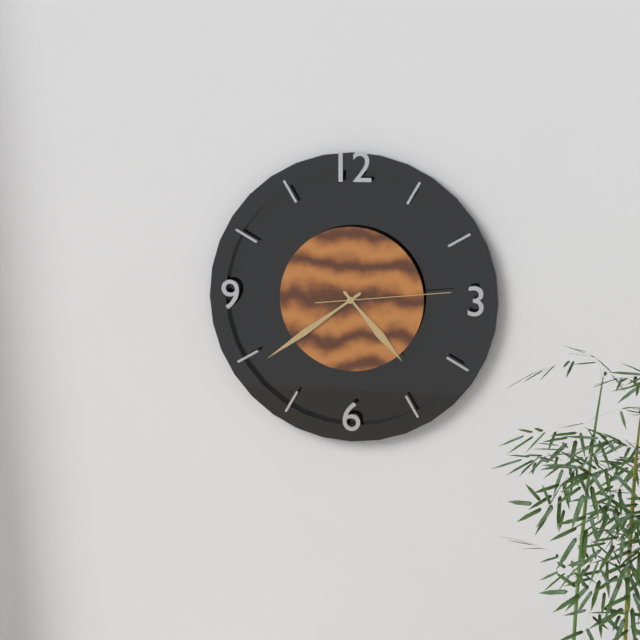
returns 4.39.14
